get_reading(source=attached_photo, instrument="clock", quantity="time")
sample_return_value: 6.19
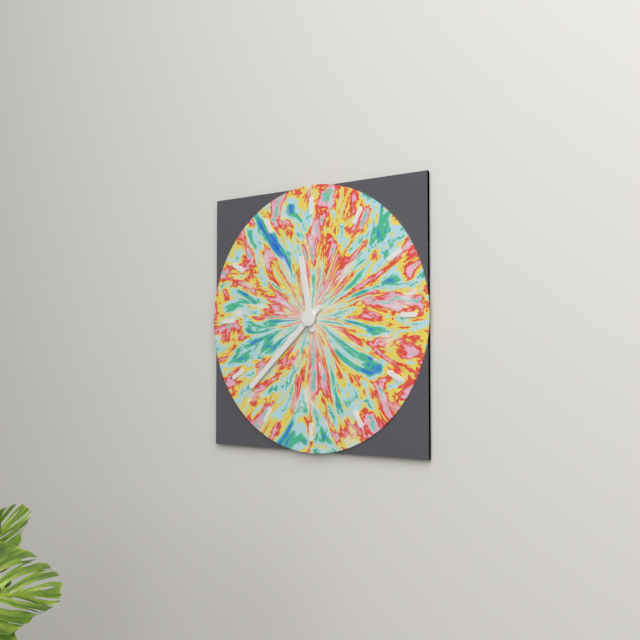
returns 11.38
